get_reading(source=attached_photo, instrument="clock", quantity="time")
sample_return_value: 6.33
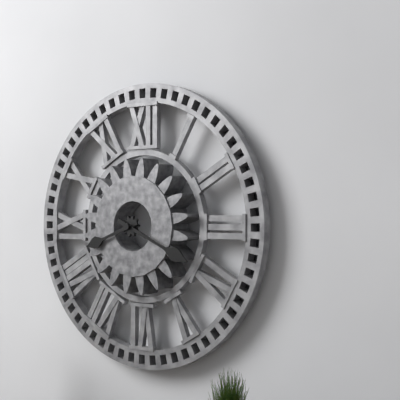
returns 8.19
